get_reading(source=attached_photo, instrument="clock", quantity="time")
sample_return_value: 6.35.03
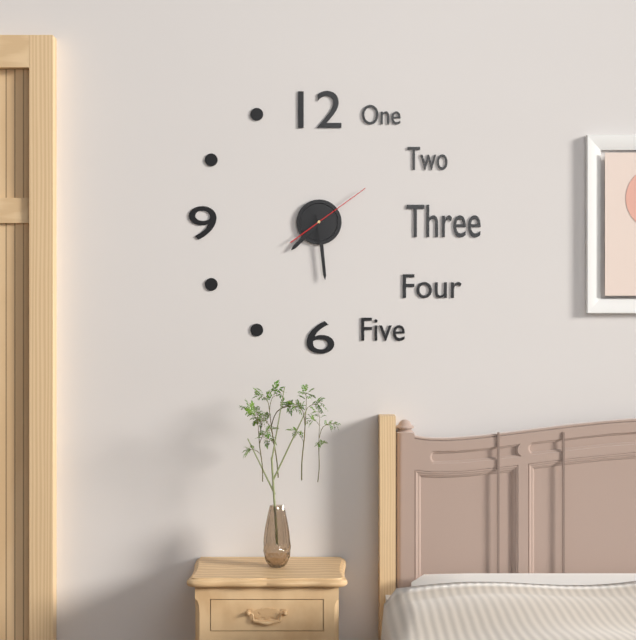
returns 7.29.09
